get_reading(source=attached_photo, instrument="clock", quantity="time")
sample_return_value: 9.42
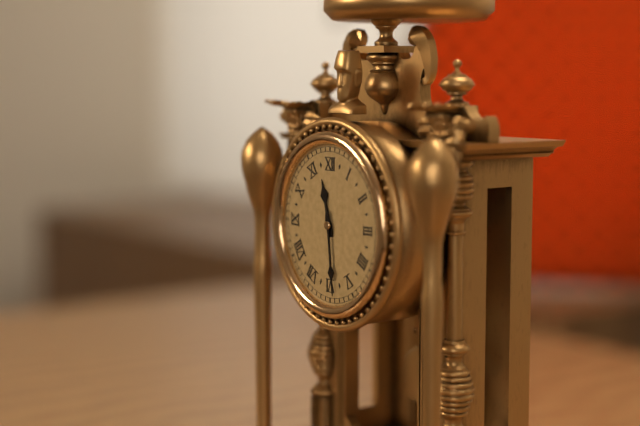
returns 11.29
